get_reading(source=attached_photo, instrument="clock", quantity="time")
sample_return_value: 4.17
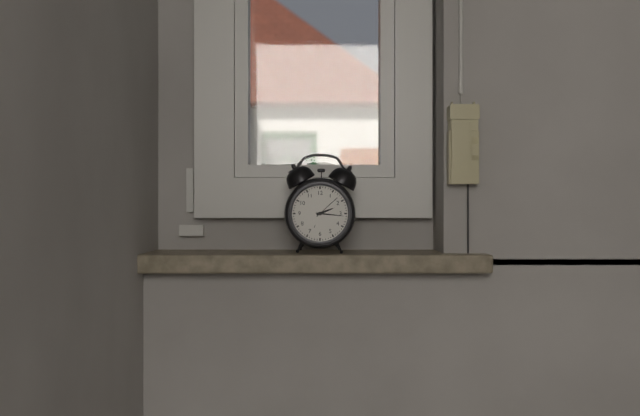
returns 2.16
